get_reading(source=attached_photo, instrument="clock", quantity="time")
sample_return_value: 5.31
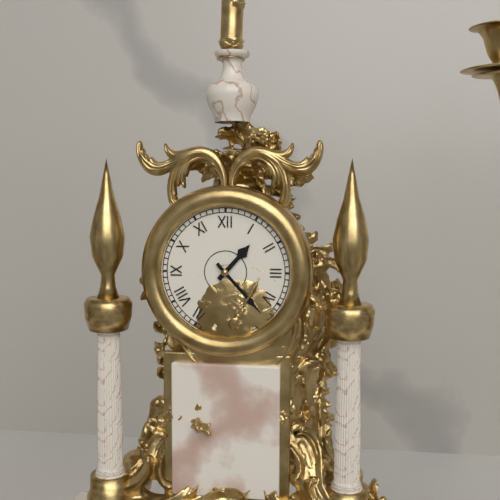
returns 1.23
